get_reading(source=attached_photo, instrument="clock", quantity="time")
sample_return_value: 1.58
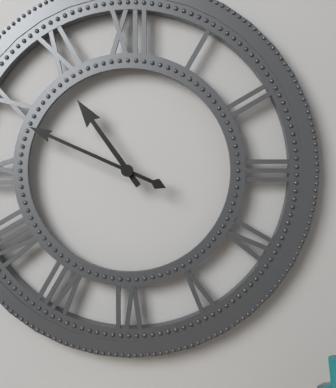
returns 10.49
